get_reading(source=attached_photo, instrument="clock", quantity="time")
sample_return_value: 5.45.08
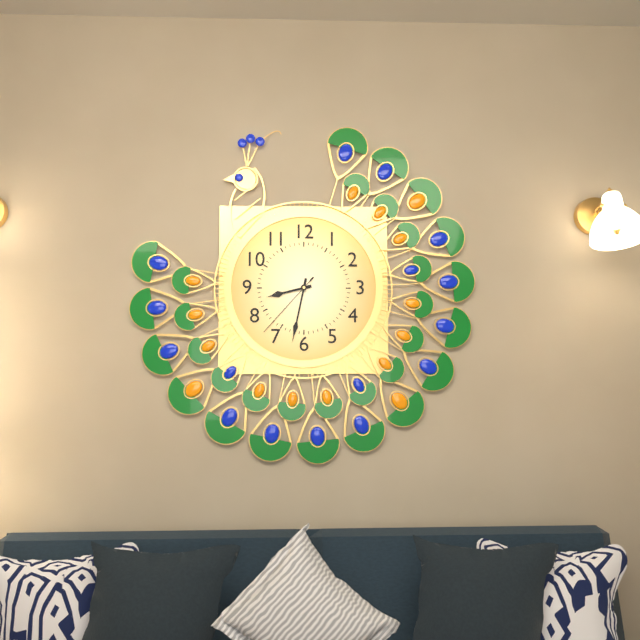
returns 8.32.37
